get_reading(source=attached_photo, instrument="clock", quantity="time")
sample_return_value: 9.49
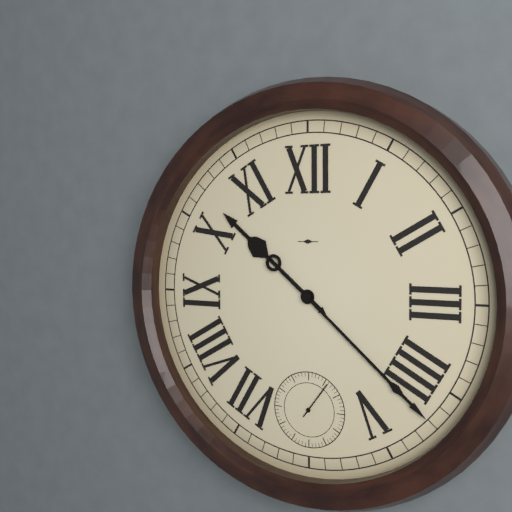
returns 10.22
